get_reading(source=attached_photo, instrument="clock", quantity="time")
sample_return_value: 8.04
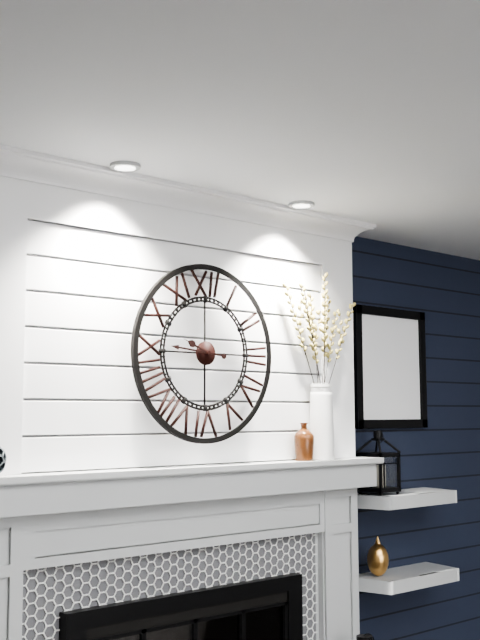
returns 9.46
